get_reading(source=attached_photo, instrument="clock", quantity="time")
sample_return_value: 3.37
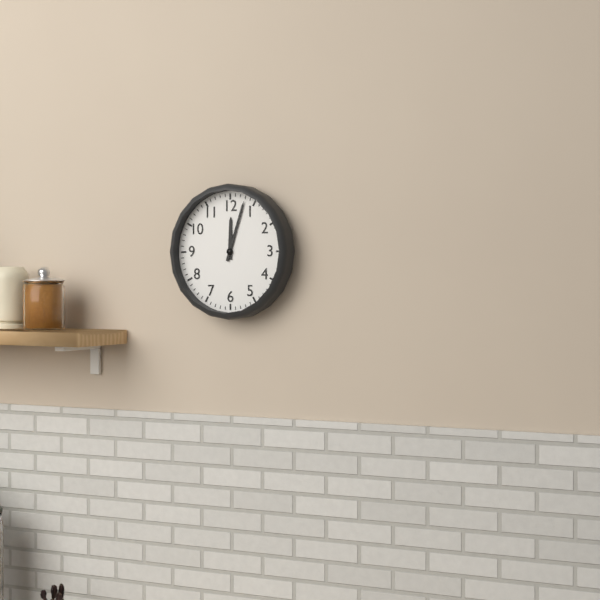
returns 12.03
